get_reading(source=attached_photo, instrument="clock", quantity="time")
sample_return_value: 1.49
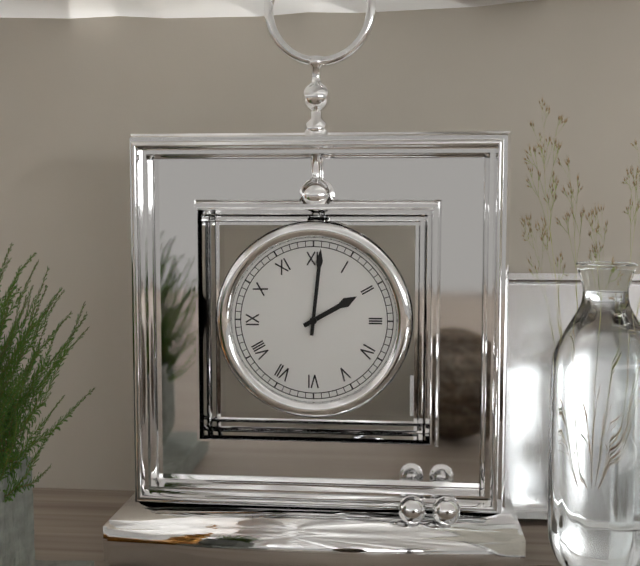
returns 2.01
